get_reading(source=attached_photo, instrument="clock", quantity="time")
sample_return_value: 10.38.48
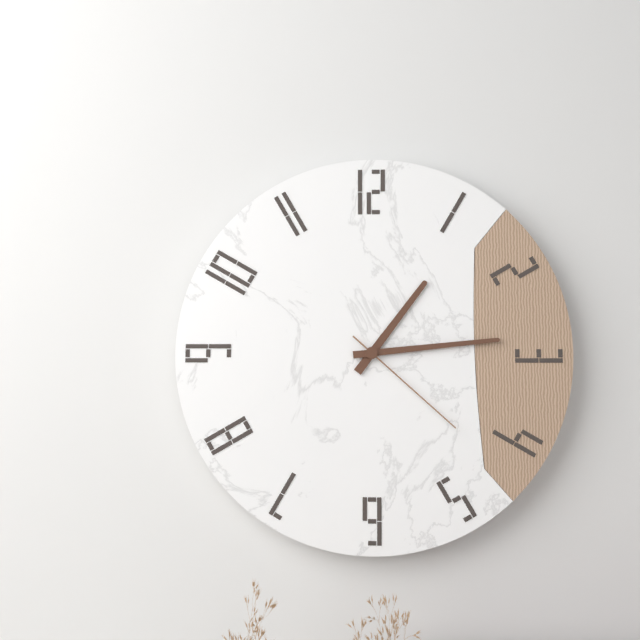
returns 1.14.22
